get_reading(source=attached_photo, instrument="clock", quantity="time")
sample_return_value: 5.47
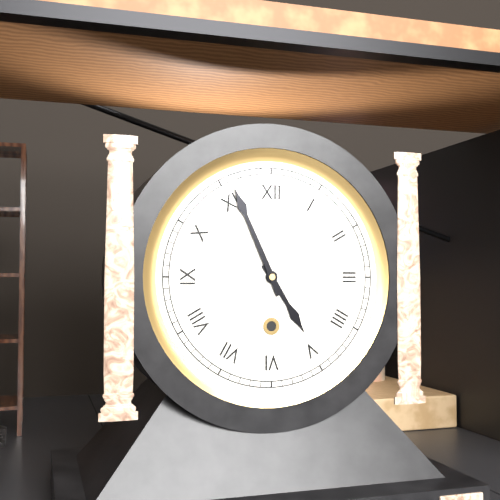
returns 4.56
